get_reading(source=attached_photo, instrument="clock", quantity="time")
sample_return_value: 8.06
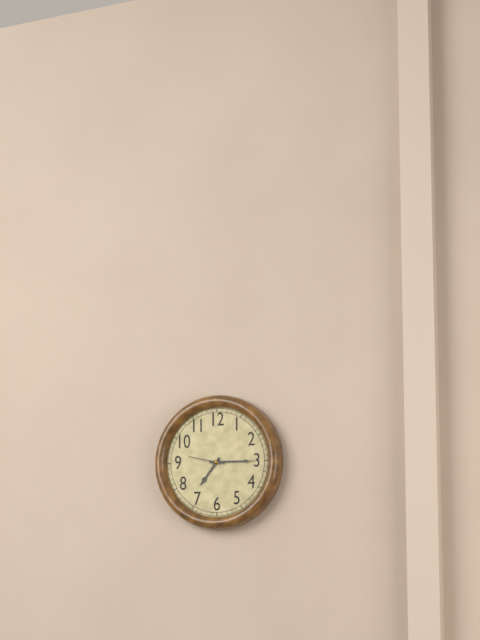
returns 7.15
